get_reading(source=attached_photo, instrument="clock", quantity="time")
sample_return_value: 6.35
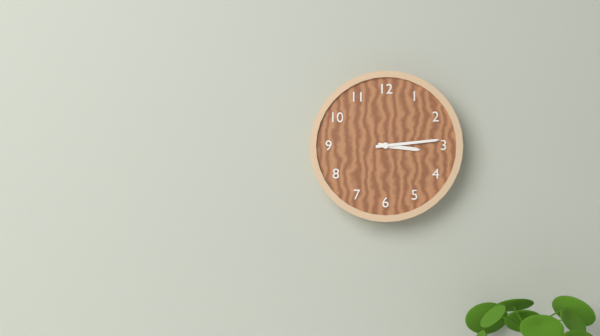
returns 3.14
